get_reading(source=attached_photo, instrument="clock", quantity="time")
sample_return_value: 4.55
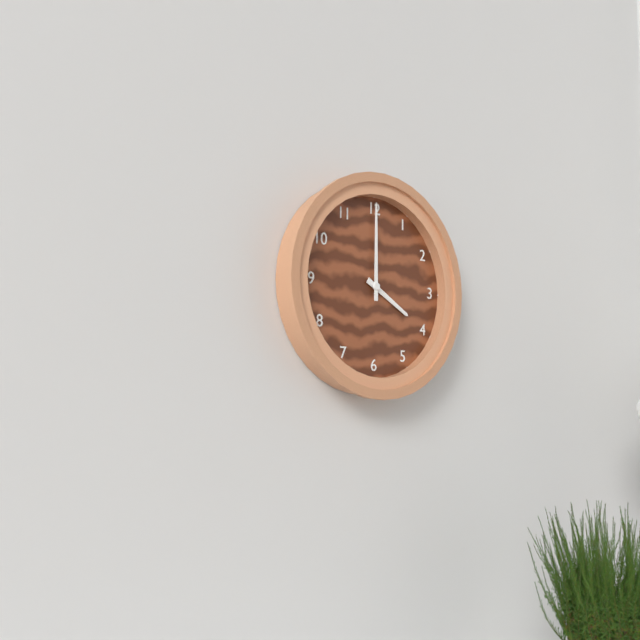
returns 4.00
